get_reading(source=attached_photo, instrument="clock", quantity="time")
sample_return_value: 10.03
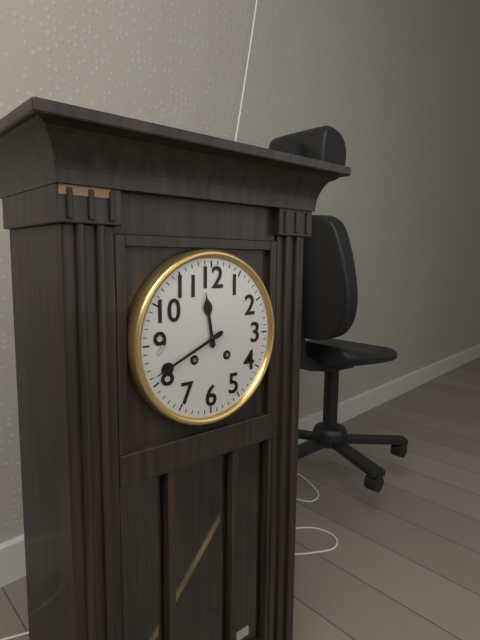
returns 11.41
